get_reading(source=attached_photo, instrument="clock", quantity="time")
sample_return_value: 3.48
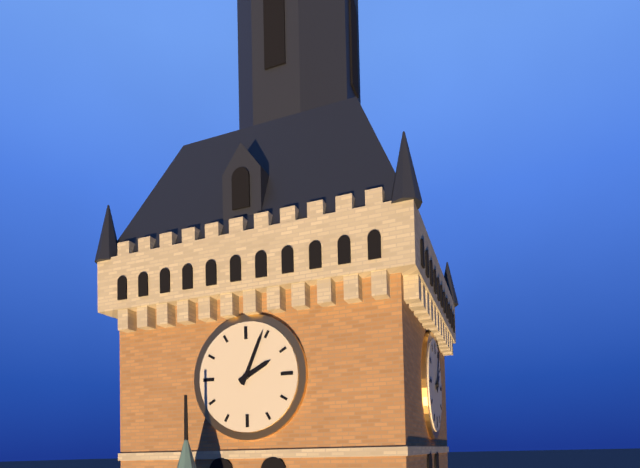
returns 2.04
